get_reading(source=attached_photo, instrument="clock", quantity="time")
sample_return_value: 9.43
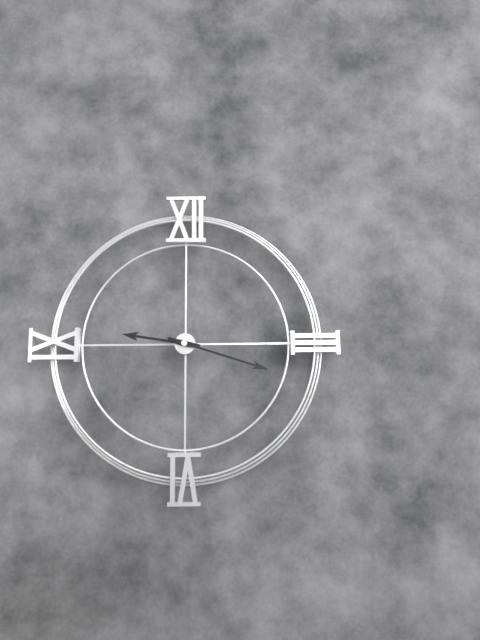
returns 9.18
